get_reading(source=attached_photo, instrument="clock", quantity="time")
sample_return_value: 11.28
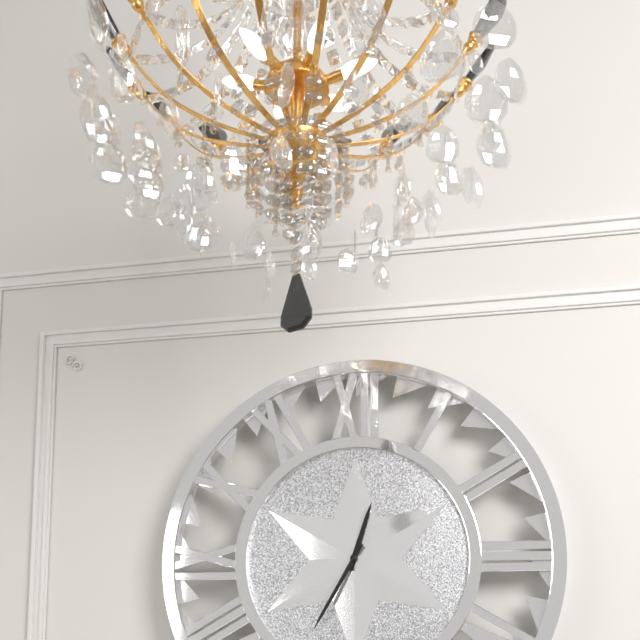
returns 12.35
